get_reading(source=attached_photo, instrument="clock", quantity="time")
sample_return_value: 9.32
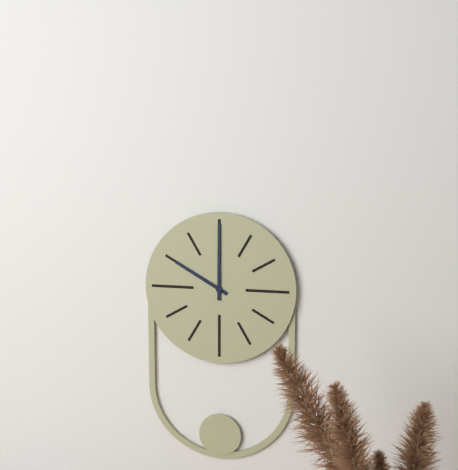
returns 10.00
